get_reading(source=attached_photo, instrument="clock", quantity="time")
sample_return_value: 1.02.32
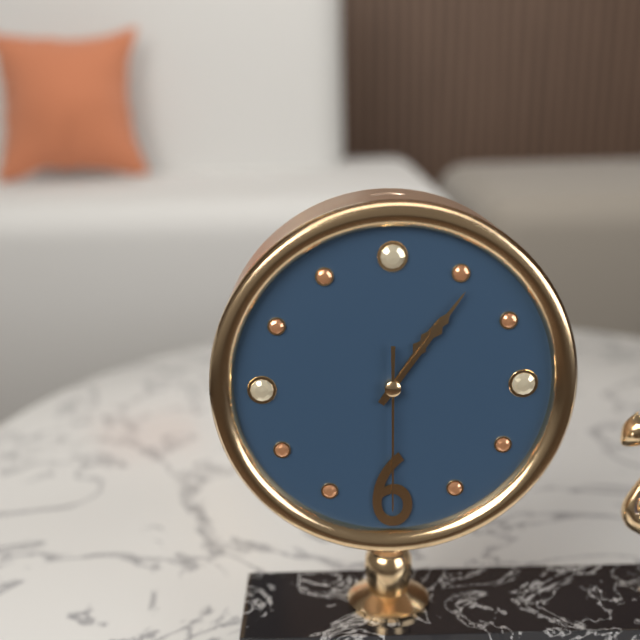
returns 1.06.30
